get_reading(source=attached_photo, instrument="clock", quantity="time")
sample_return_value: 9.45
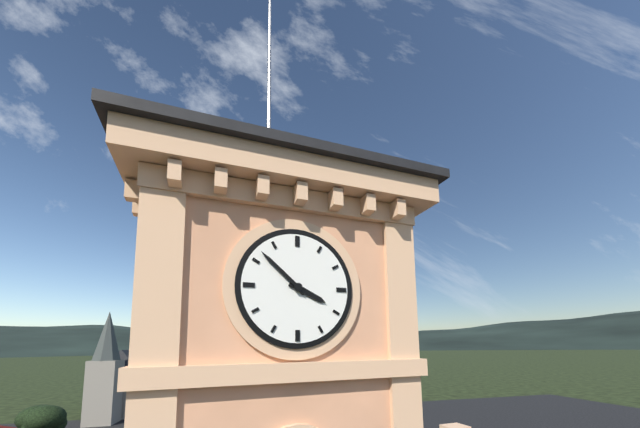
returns 3.52
